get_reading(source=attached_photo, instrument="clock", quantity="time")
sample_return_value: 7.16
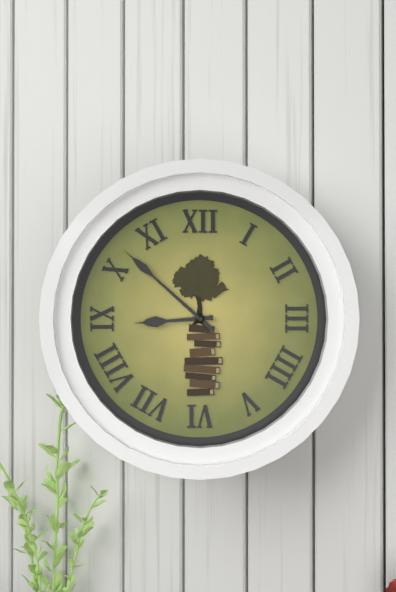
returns 8.52
